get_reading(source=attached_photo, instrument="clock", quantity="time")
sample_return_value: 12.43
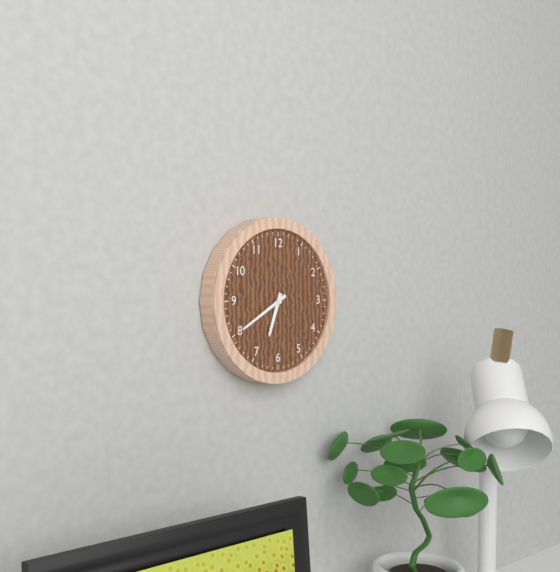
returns 6.40
